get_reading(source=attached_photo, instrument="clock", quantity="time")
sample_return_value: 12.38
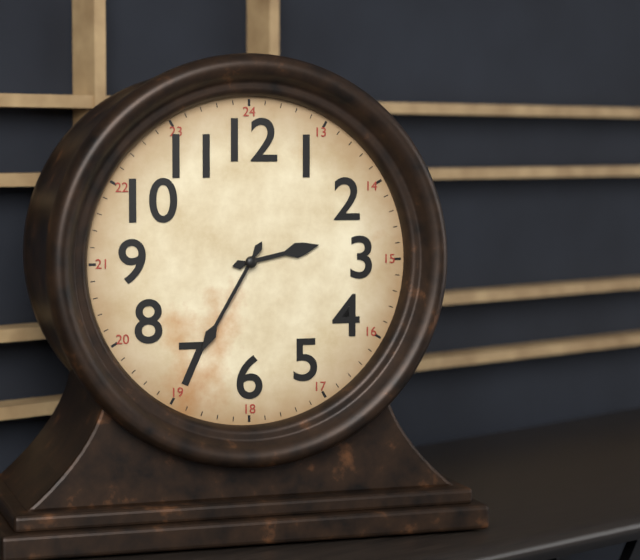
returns 2.35
